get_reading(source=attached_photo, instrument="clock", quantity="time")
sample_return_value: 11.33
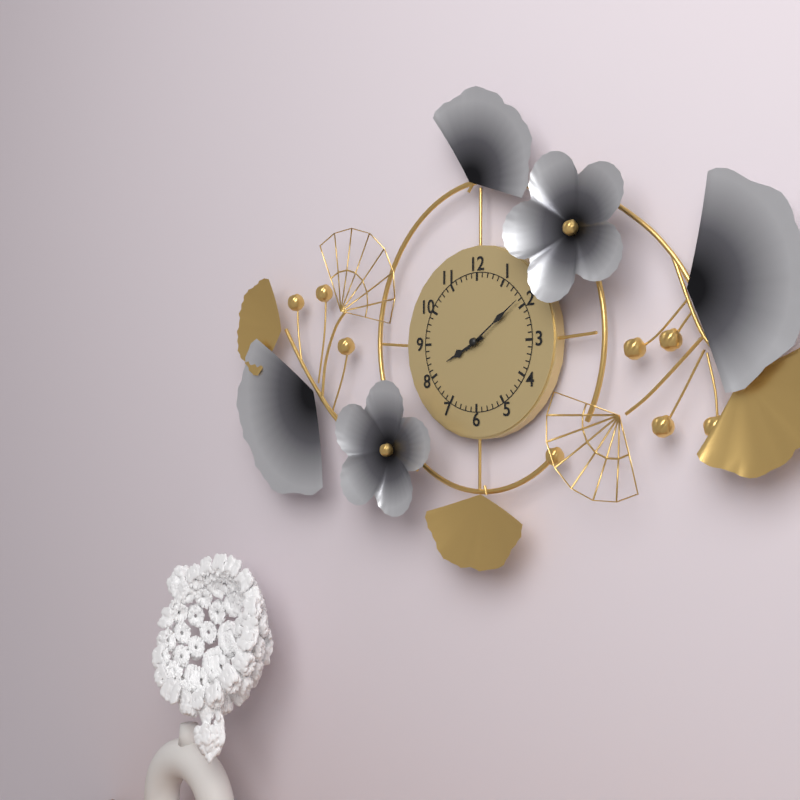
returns 8.09
